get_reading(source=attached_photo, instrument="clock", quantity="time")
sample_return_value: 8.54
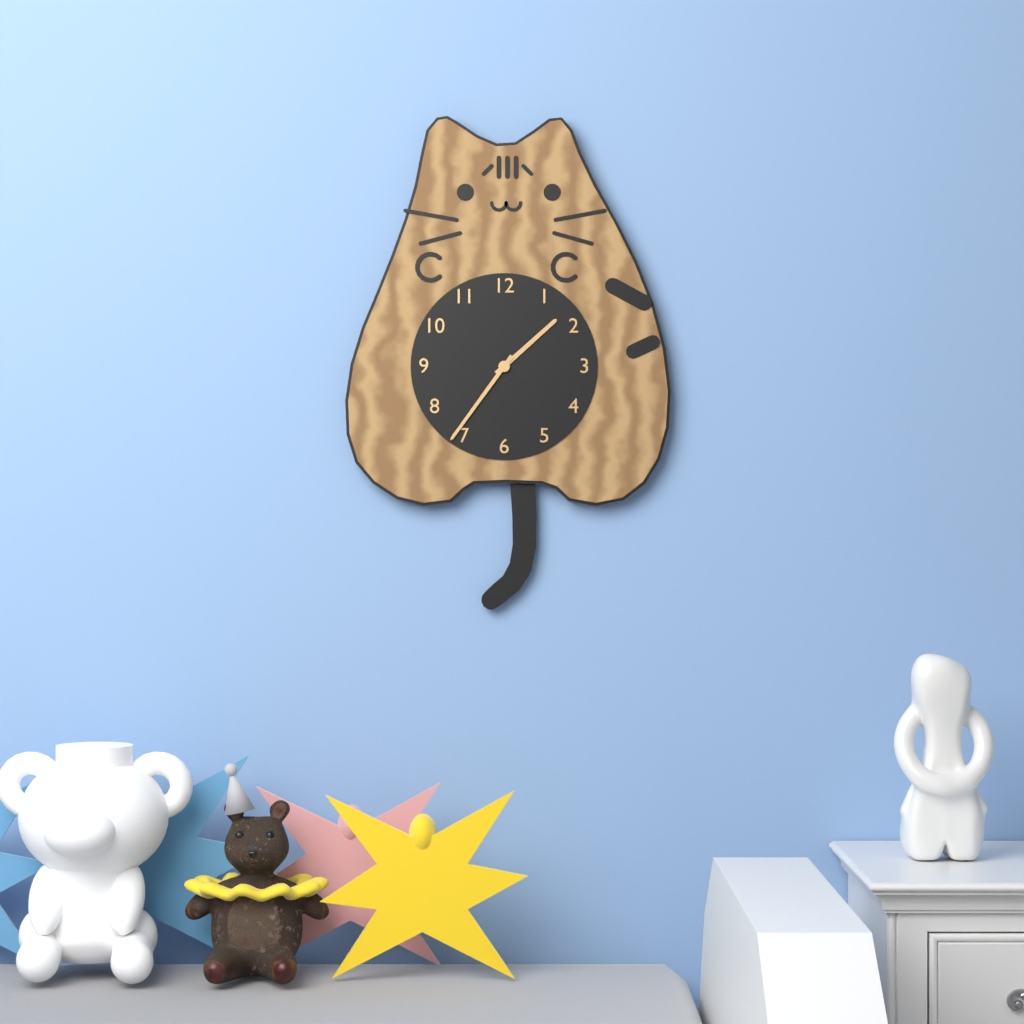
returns 1.36
